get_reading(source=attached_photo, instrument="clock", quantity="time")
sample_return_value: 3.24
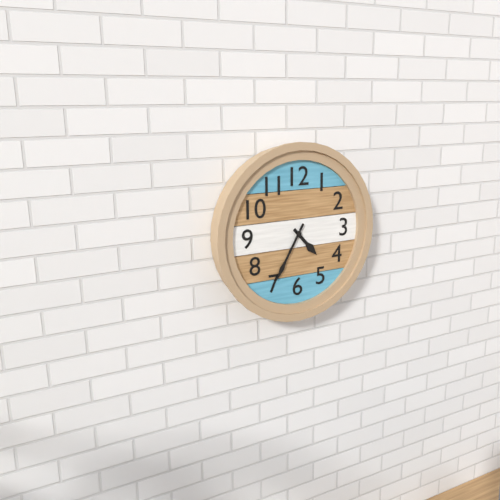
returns 4.35
